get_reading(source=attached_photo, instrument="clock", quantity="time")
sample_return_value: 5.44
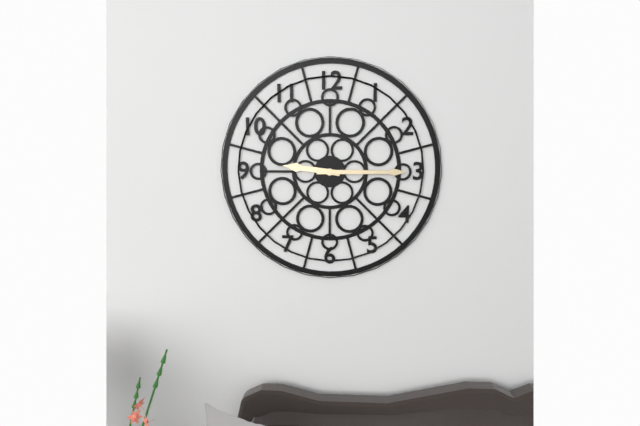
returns 9.15
